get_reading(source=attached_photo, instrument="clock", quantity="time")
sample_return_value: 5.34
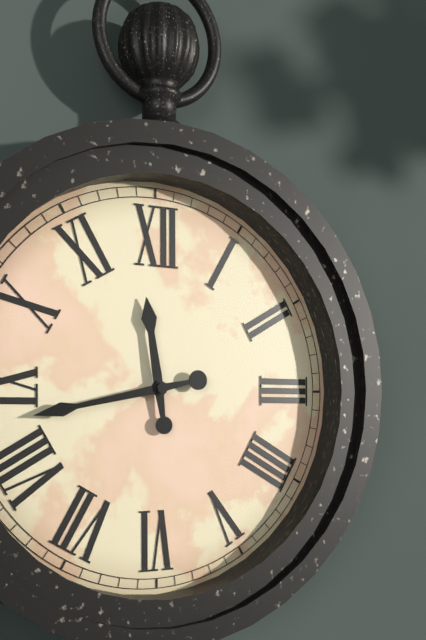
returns 11.43
